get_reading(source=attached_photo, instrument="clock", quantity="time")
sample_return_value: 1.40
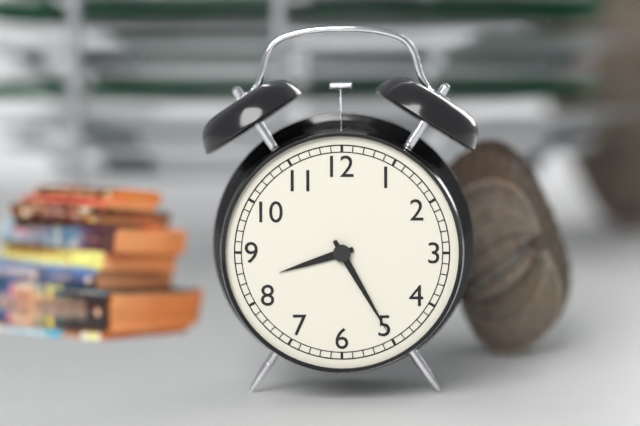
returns 8.25
